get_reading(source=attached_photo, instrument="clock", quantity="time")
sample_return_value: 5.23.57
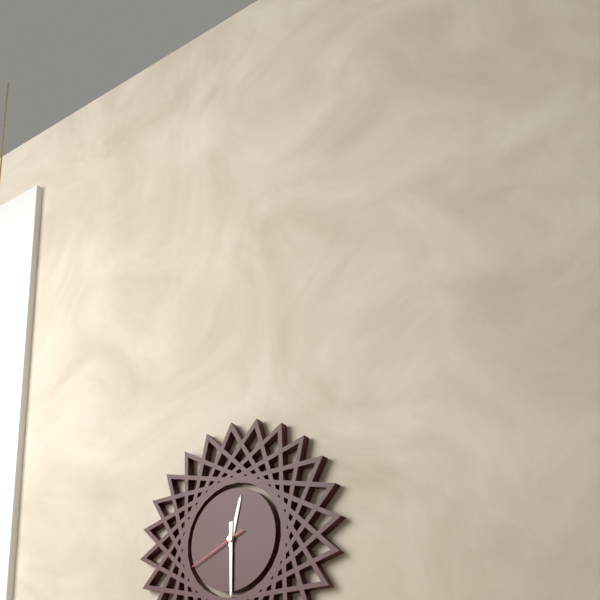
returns 12.30.41
